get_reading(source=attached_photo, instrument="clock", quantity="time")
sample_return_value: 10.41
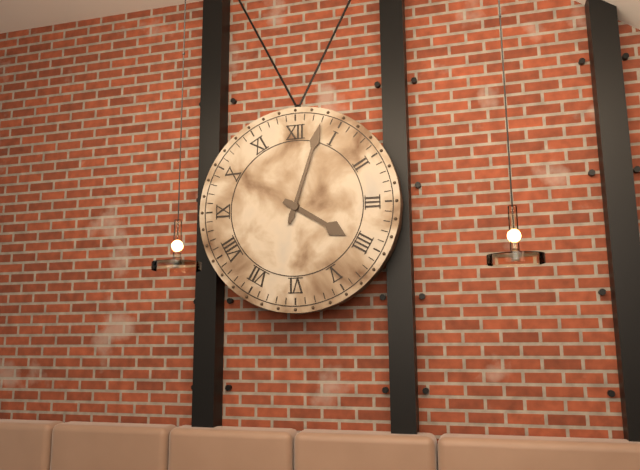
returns 4.03
